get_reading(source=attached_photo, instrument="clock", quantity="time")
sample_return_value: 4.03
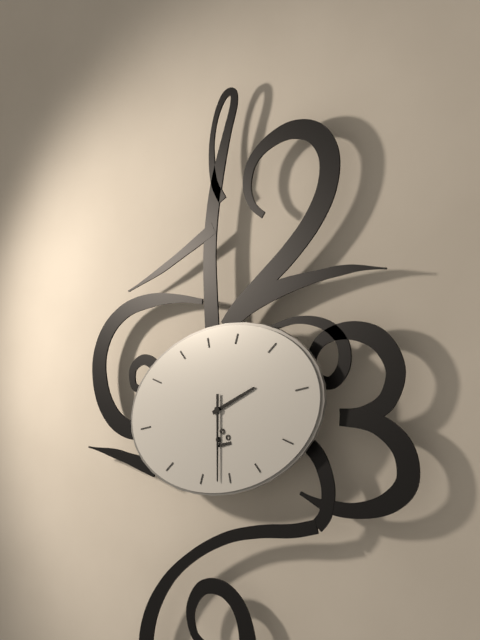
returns 2.32
